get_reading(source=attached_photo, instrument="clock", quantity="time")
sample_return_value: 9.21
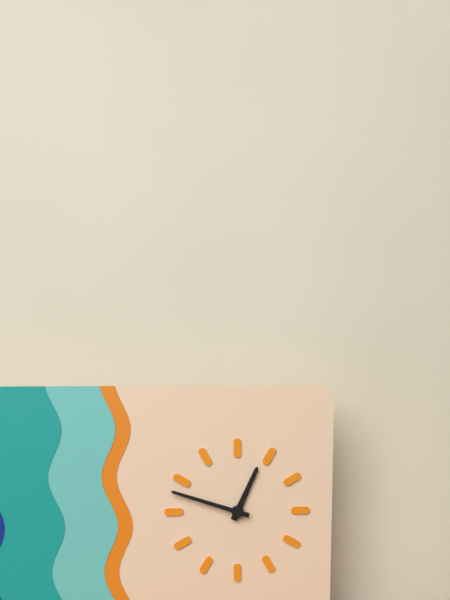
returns 12.48
